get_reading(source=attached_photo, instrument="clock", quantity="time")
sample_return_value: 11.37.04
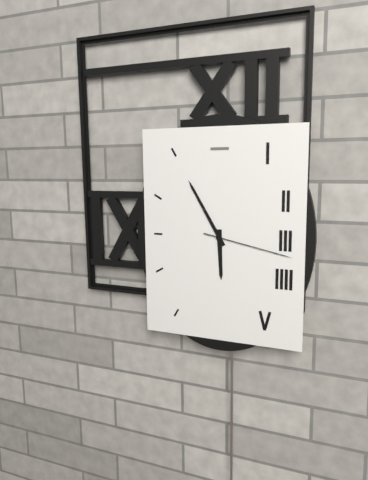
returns 5.55.17
